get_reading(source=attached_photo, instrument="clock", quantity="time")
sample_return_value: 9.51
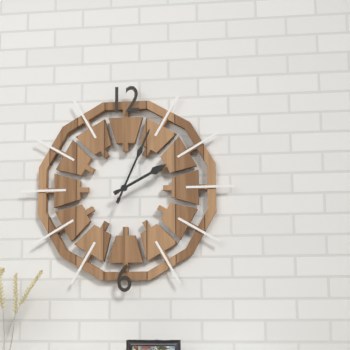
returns 2.04
